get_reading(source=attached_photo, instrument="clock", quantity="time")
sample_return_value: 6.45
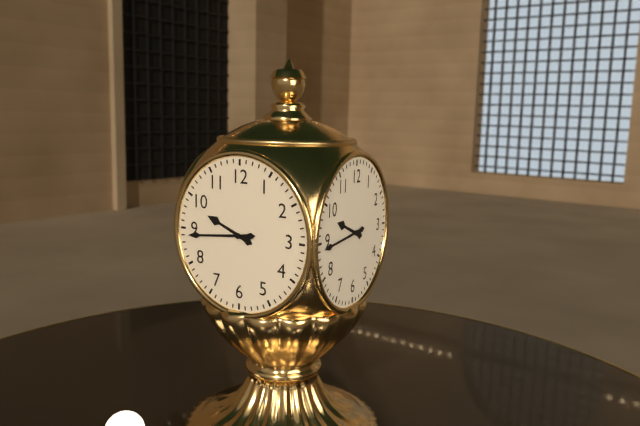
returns 9.44
